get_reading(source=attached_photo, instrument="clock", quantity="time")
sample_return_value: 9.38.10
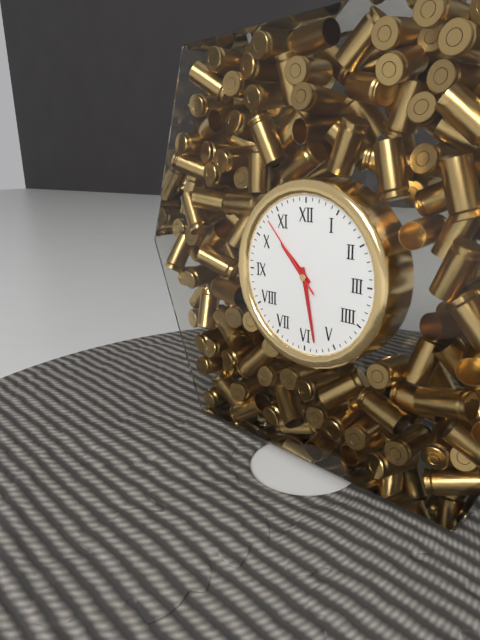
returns 10.28.53
